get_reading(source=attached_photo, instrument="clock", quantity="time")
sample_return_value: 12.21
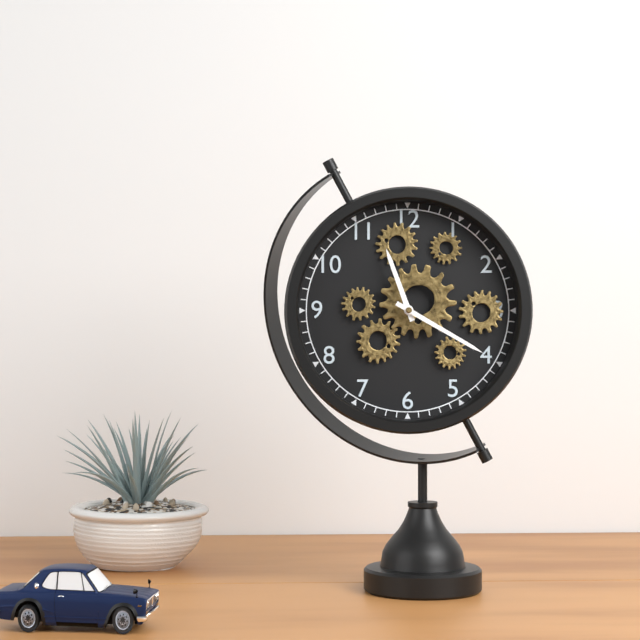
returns 11.20
